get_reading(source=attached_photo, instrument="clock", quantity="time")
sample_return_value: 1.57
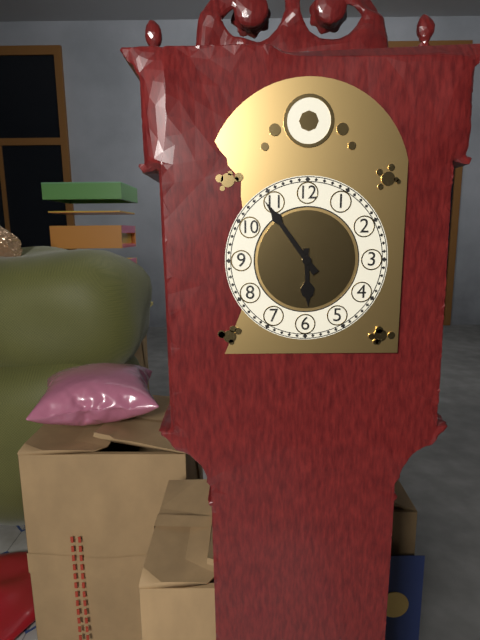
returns 5.54
